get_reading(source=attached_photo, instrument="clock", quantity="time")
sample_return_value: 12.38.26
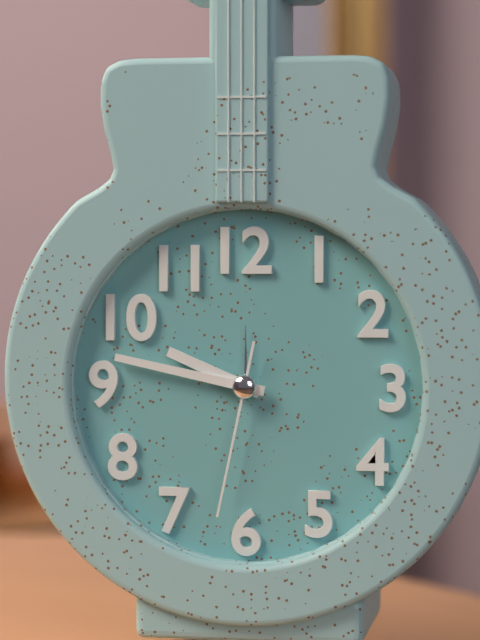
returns 9.47.32
